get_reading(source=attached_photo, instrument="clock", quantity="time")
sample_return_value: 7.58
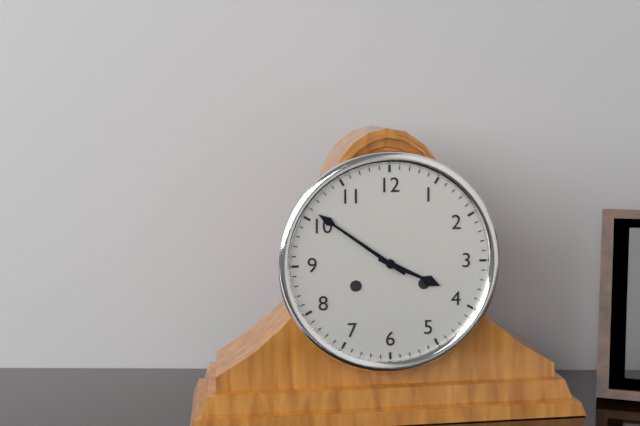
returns 3.51
